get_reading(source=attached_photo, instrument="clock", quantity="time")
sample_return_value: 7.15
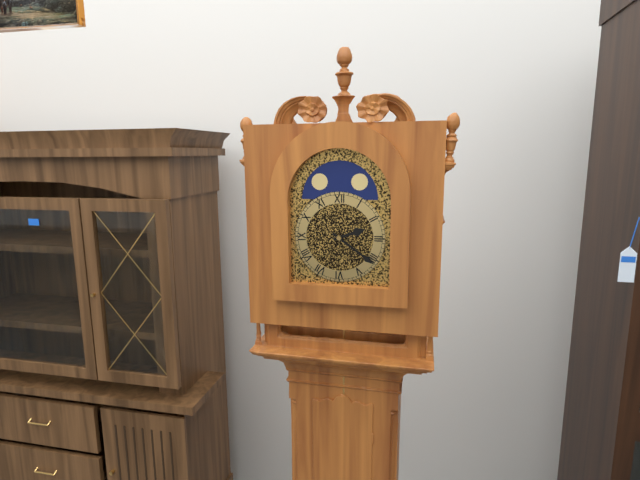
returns 2.21
